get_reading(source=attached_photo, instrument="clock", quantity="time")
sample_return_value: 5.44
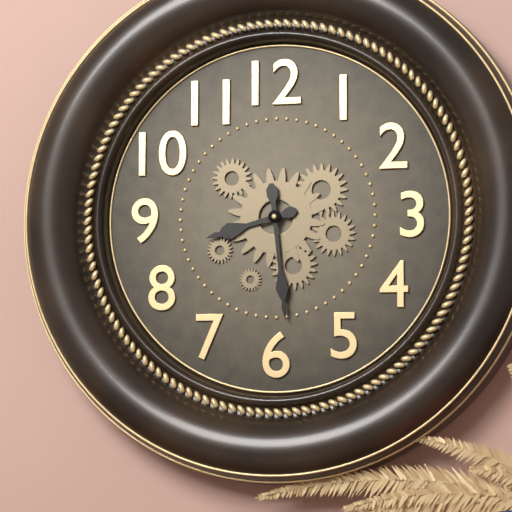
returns 8.29
